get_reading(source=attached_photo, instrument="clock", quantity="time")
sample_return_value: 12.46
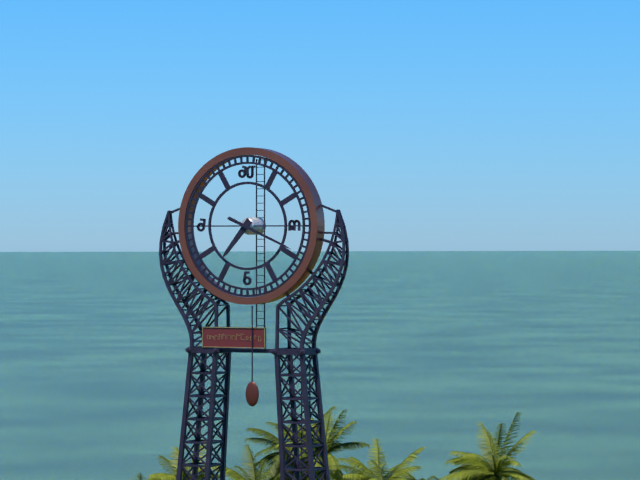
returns 7.19
